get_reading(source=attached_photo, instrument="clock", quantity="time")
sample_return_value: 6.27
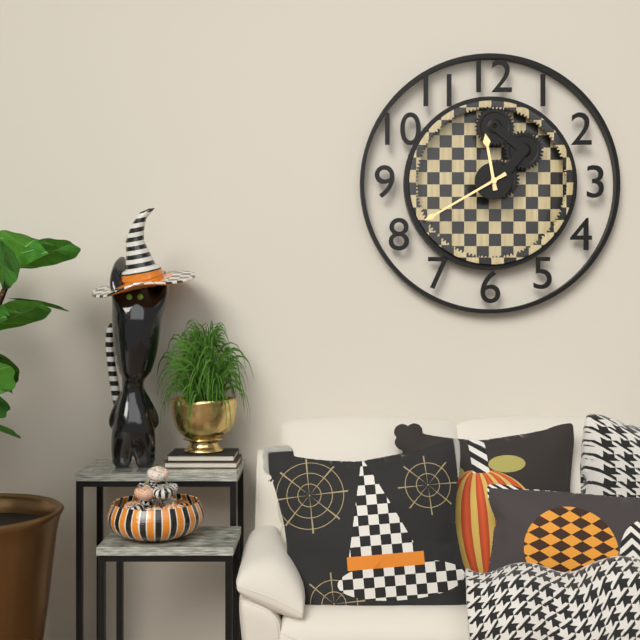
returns 11.40
